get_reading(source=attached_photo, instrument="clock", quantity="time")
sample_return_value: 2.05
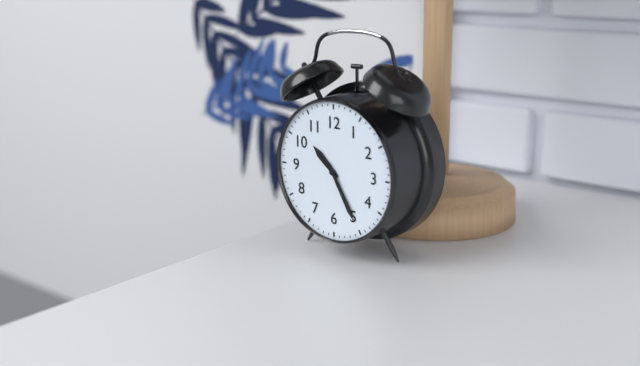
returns 10.25
